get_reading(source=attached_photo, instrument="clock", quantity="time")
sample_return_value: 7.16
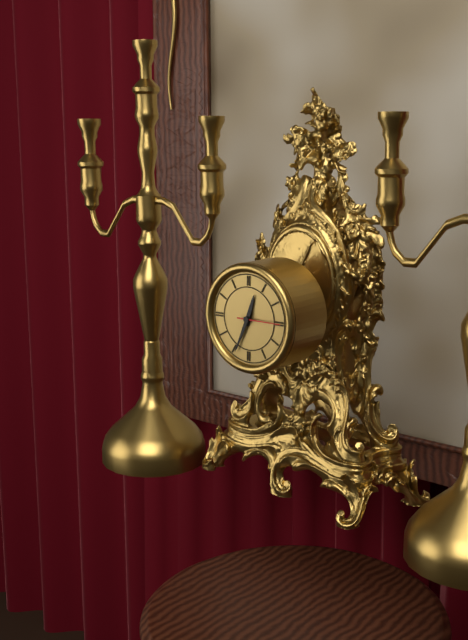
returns 12.34
